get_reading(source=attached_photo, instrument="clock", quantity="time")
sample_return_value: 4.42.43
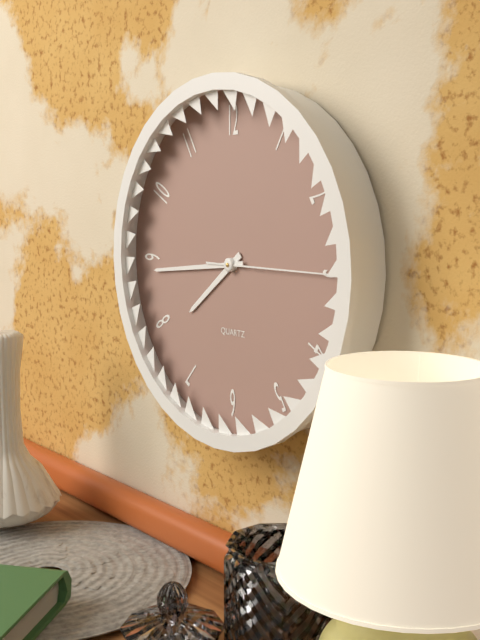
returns 7.44.15
